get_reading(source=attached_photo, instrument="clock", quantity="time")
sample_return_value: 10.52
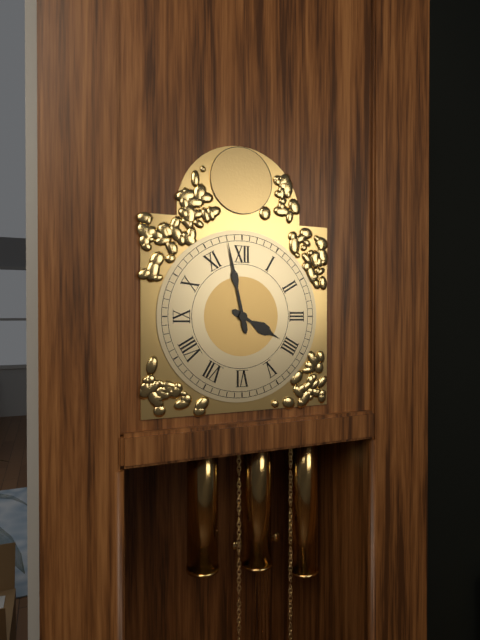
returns 3.58
